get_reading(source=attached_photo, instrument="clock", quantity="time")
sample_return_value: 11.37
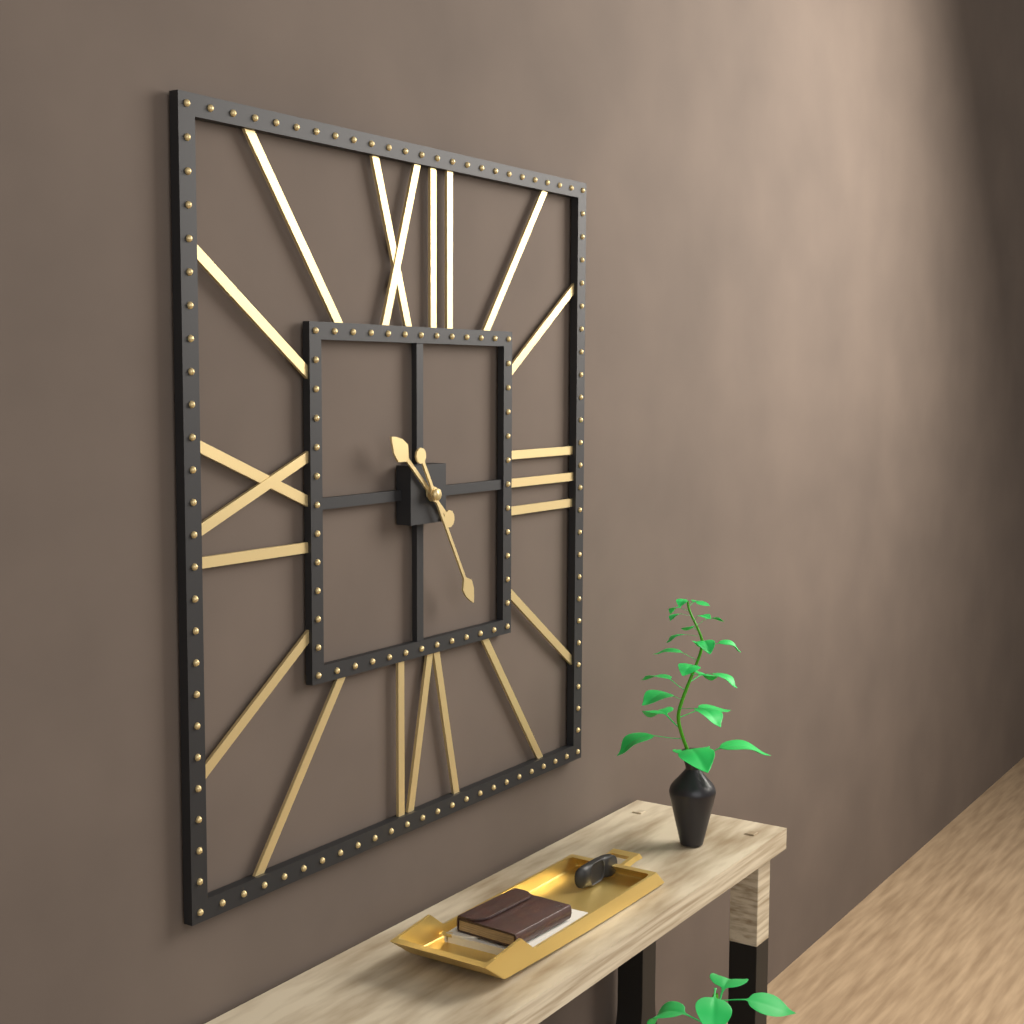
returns 10.25
